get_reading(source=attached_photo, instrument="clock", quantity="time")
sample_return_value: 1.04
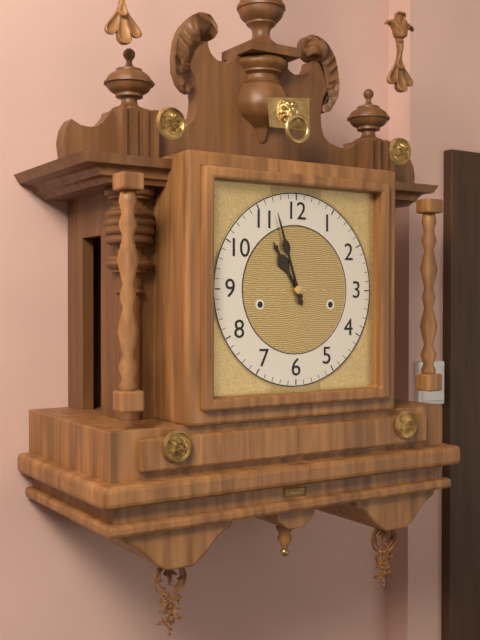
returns 10.57
